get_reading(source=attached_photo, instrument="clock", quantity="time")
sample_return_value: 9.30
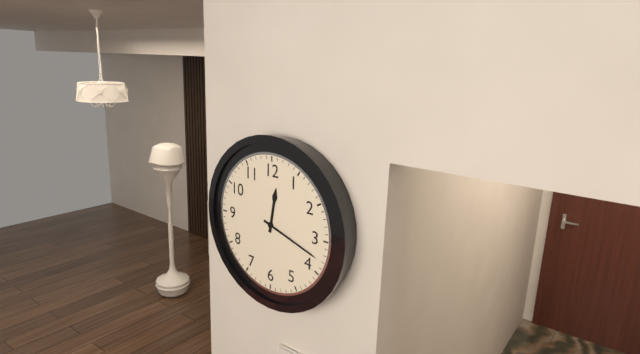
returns 12.18
